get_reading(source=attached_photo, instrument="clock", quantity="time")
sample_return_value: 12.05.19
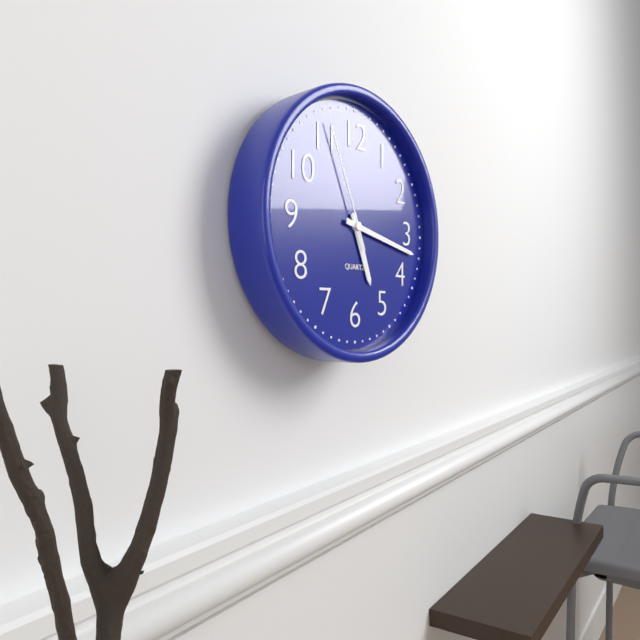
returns 5.17.56
